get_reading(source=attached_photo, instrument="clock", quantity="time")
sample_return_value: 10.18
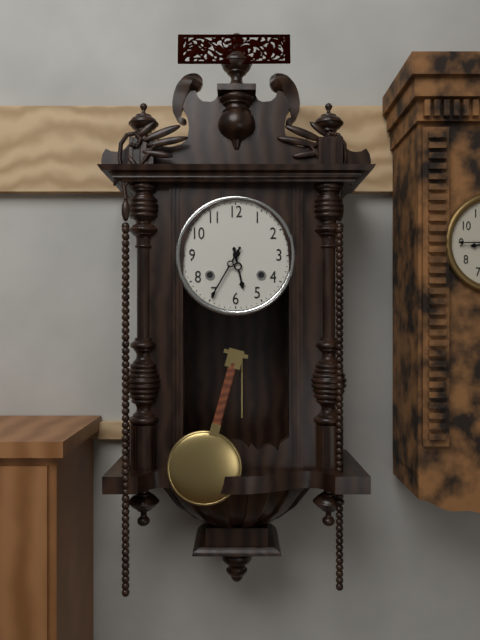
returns 5.35
